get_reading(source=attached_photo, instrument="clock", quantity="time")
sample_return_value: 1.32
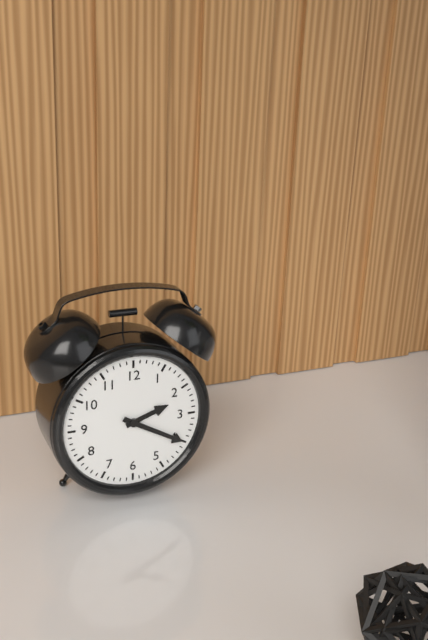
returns 2.20
